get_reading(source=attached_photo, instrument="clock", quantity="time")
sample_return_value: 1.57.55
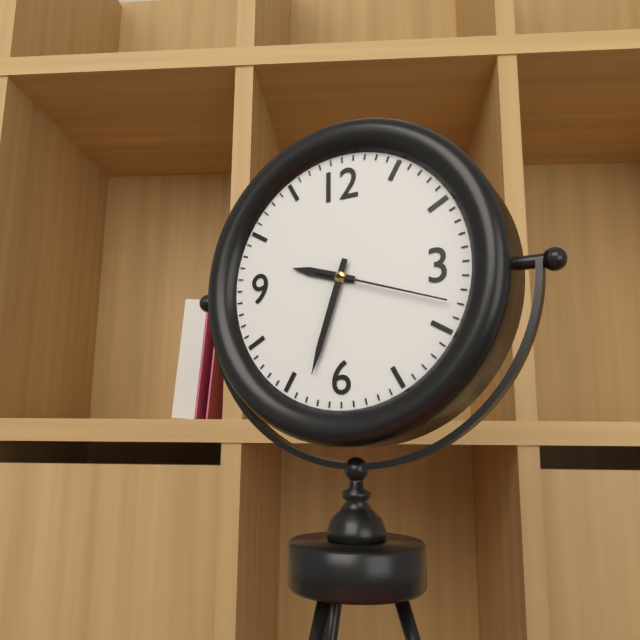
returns 9.33.18
